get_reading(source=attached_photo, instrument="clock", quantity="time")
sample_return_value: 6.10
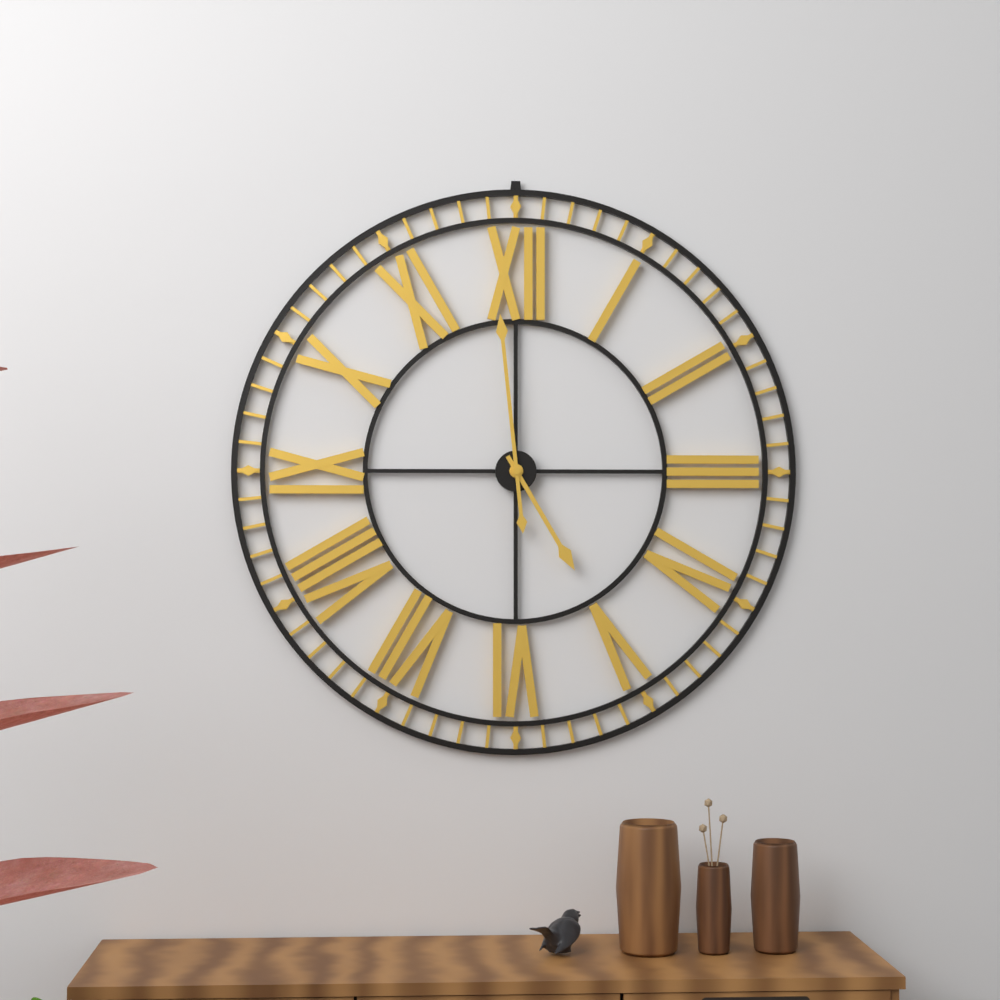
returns 4.59
